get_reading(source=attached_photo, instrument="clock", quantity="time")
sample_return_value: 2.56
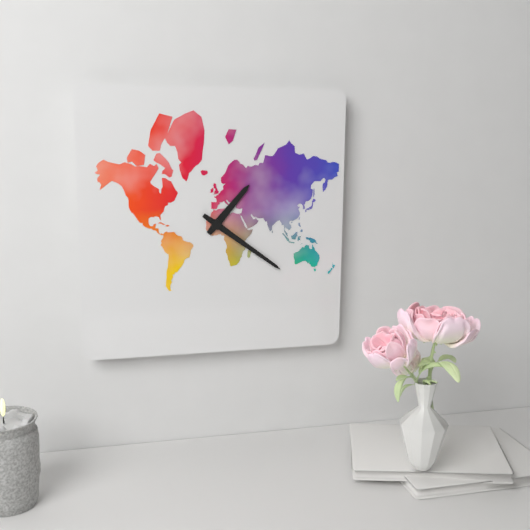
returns 1.21
